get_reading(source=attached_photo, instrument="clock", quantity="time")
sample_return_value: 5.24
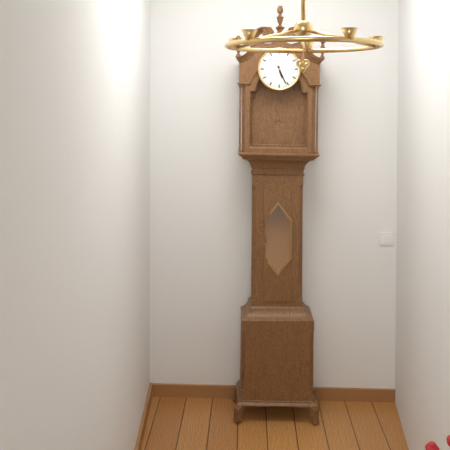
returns 5.26
